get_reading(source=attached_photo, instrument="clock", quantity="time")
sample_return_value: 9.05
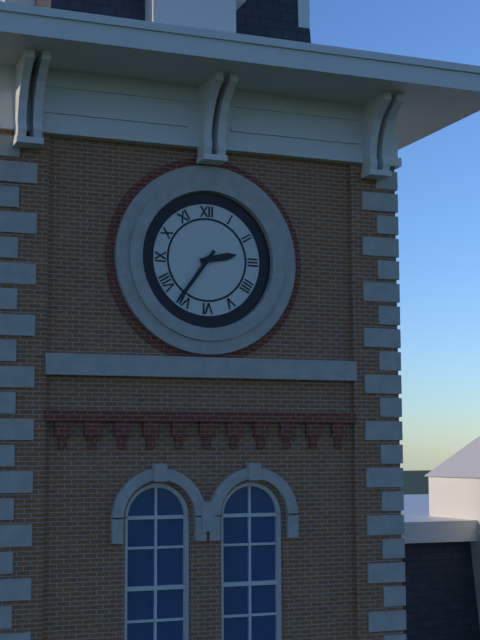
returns 2.36
